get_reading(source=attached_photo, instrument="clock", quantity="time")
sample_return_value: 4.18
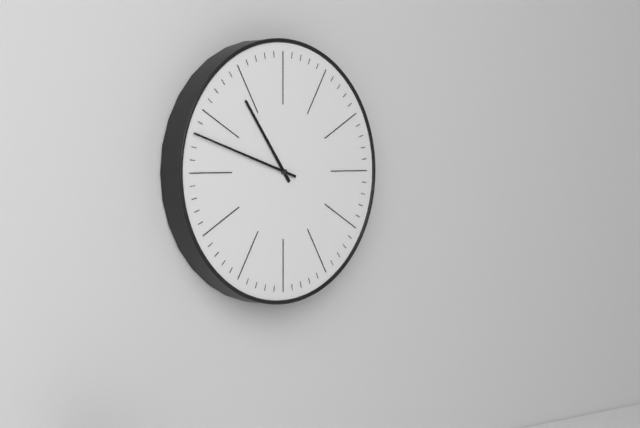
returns 10.48
